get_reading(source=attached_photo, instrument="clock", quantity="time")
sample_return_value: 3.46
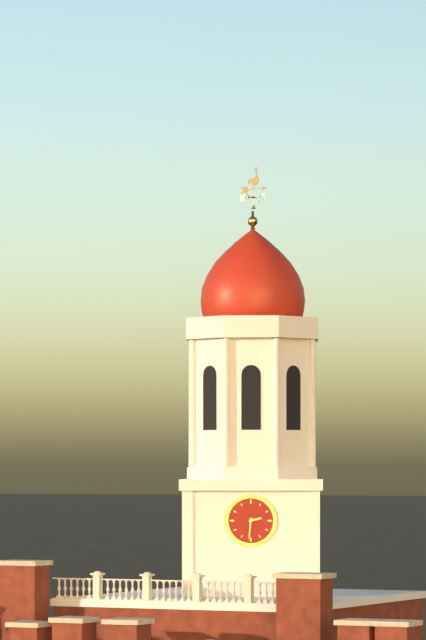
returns 2.31
